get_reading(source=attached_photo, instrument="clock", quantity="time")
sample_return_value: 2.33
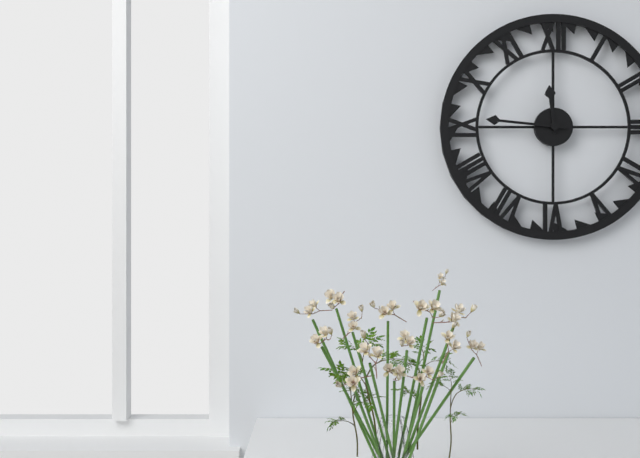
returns 11.46
